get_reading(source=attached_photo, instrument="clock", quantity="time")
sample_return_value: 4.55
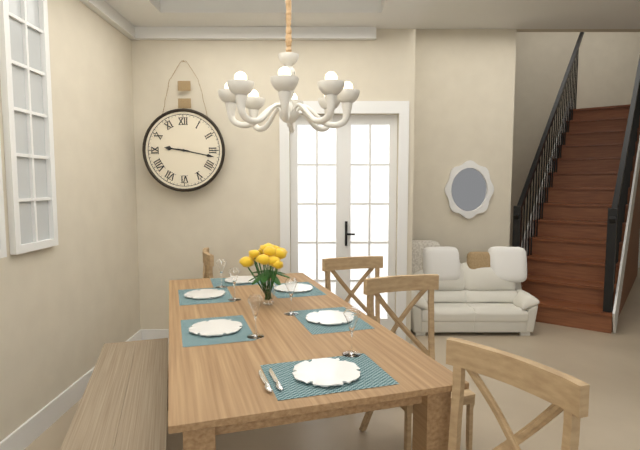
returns 9.17
